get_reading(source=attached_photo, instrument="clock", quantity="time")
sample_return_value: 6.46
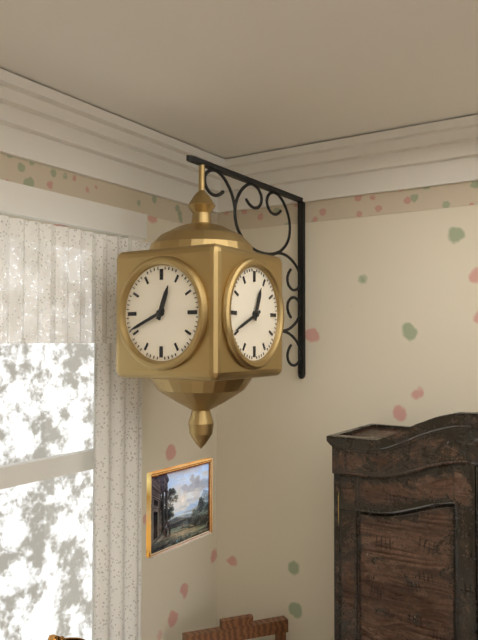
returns 12.41
